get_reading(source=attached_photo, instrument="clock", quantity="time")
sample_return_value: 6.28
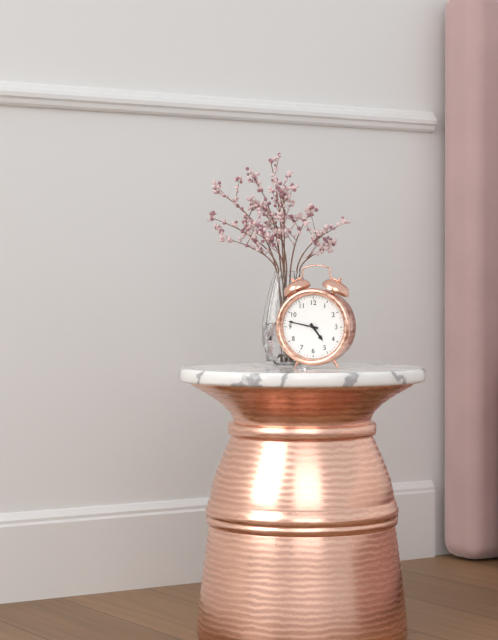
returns 4.47
